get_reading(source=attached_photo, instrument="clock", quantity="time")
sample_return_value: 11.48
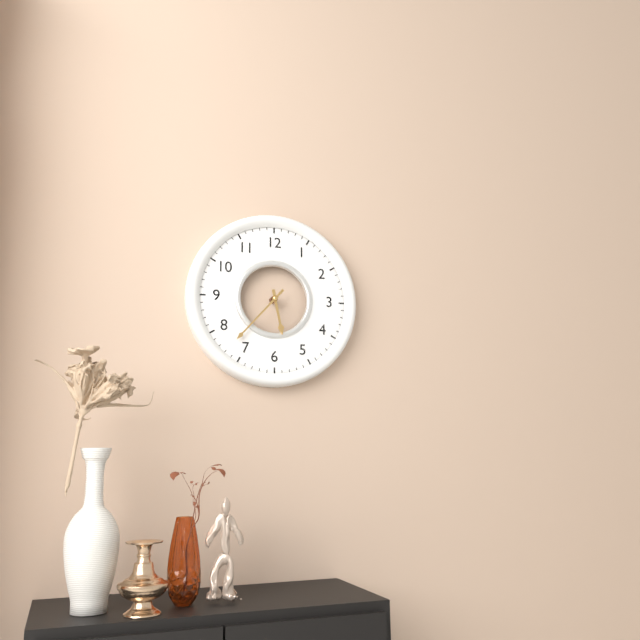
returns 5.37
